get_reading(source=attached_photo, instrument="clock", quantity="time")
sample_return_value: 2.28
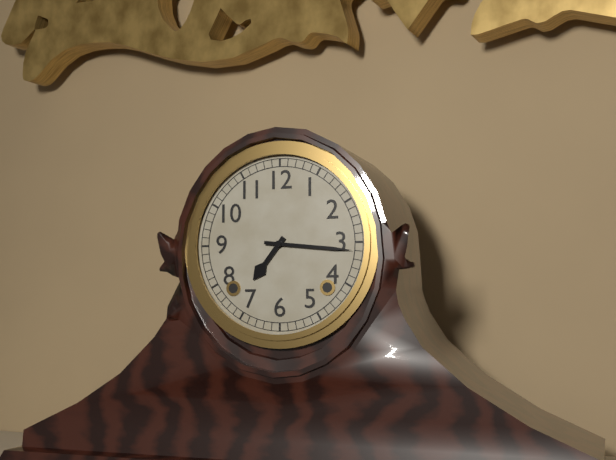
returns 7.16
